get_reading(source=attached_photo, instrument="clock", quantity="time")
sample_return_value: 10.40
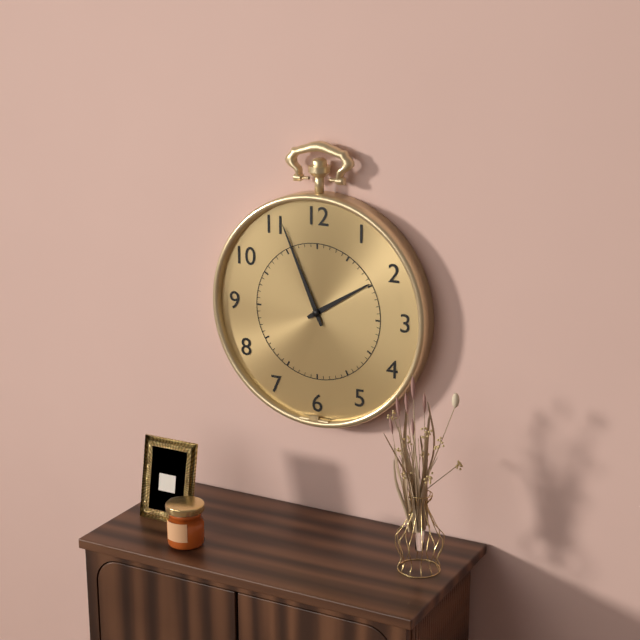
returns 1.56
